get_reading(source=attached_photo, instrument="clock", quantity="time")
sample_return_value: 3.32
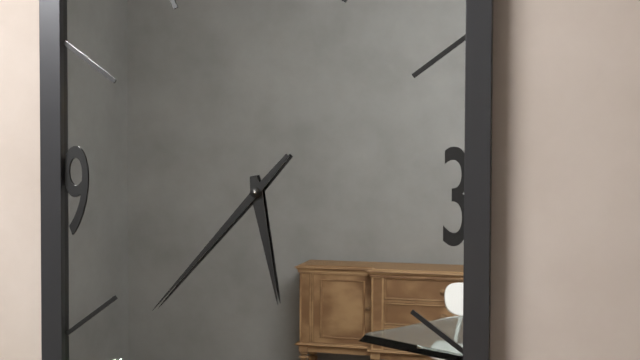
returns 5.37
